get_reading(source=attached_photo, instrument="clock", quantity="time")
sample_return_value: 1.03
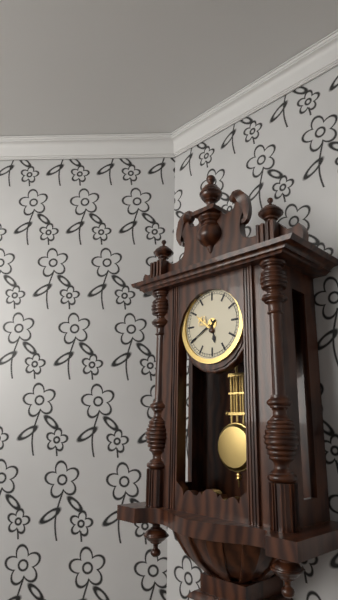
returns 5.40
